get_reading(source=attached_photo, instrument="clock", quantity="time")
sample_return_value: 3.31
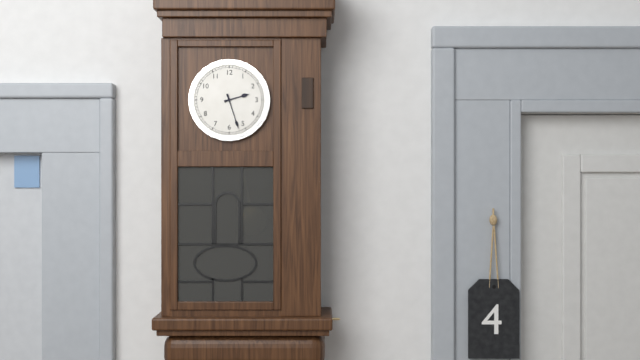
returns 2.27
